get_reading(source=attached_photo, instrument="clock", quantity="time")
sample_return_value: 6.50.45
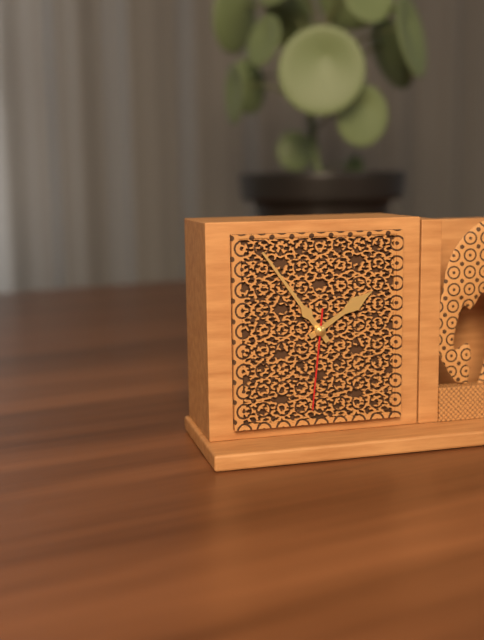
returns 1.54.31
